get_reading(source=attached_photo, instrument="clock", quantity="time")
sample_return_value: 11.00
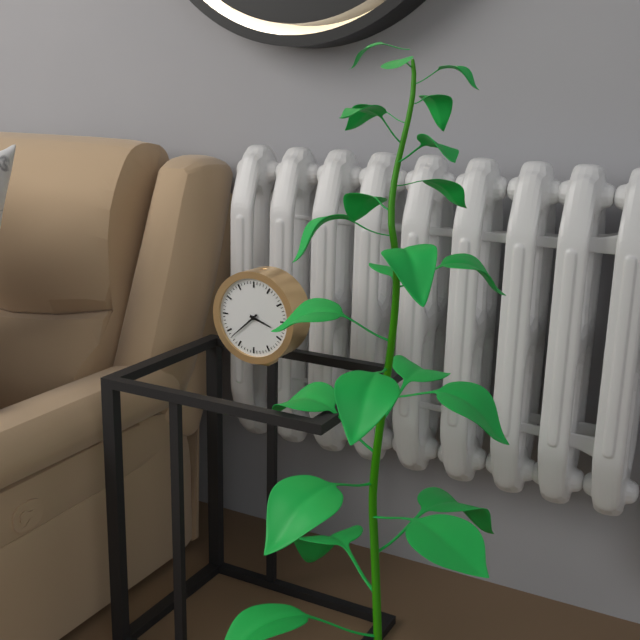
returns 3.38
